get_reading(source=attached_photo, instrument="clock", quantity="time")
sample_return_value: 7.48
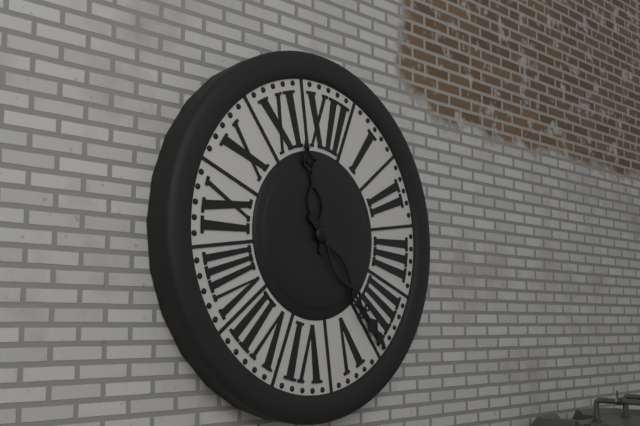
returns 11.22
